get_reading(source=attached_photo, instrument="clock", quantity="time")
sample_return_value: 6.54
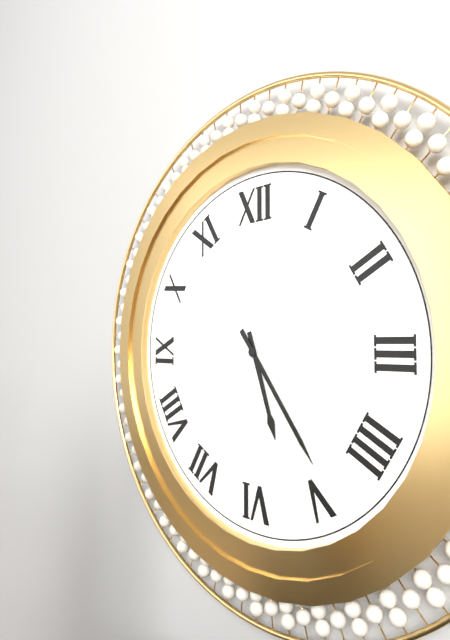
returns 5.24
